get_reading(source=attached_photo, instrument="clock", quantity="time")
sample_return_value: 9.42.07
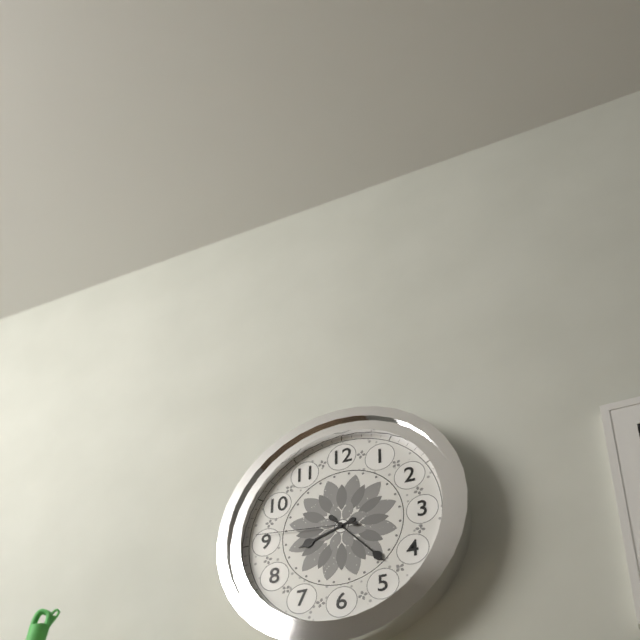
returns 8.23.46
